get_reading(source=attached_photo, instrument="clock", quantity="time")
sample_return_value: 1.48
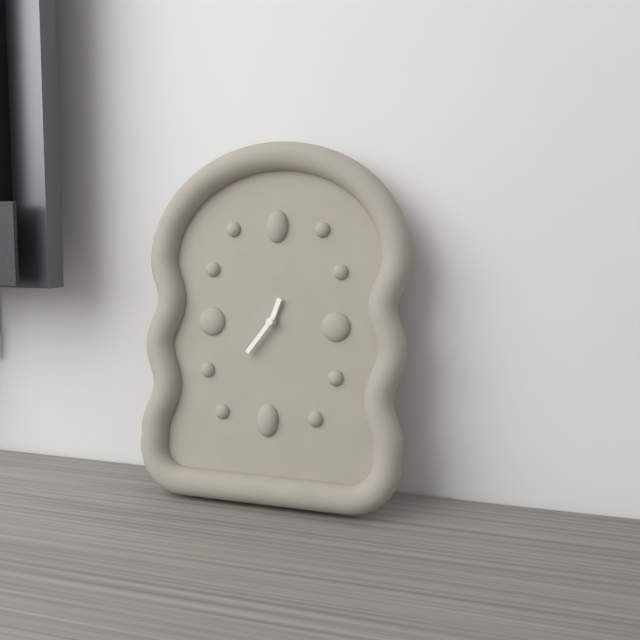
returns 12.36
